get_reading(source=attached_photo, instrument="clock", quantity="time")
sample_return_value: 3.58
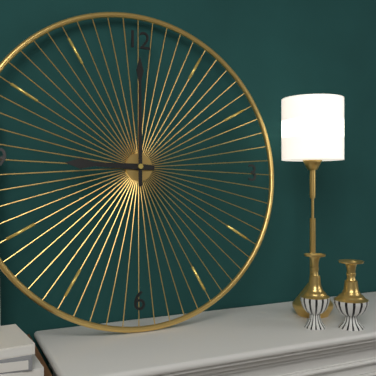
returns 9.00
